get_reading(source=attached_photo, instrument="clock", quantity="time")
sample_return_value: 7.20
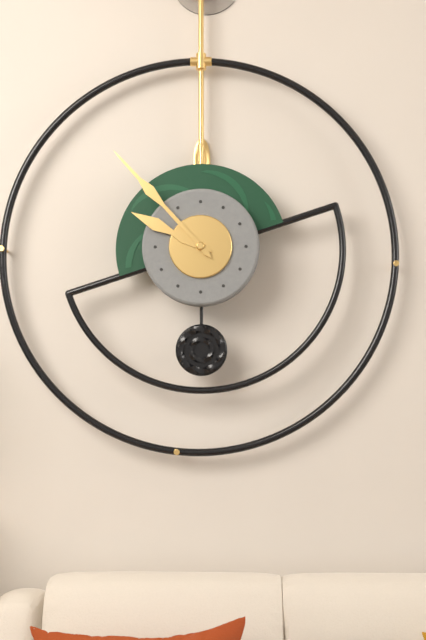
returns 9.53
